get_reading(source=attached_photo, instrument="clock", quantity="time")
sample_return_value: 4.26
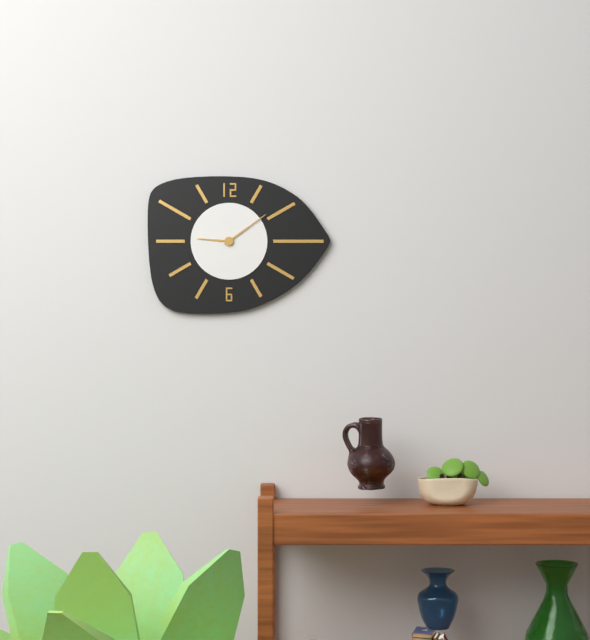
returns 9.09
